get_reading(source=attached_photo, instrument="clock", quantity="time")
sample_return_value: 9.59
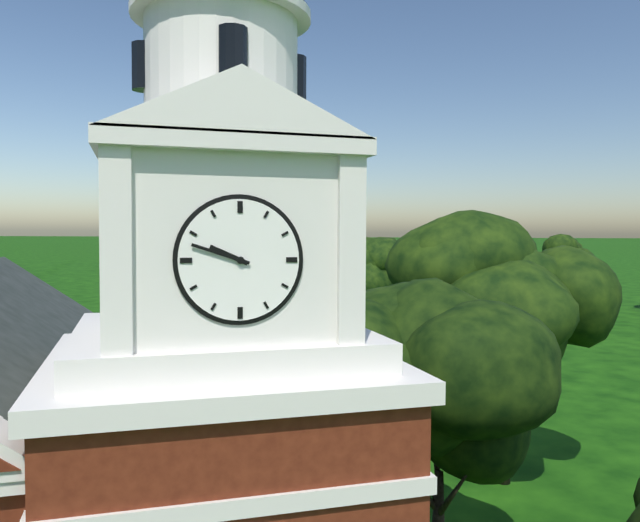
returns 9.48
